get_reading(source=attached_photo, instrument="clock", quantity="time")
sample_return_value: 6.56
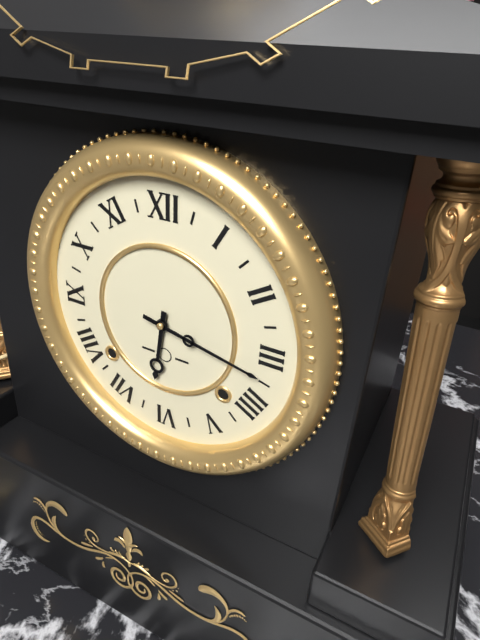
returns 6.17
